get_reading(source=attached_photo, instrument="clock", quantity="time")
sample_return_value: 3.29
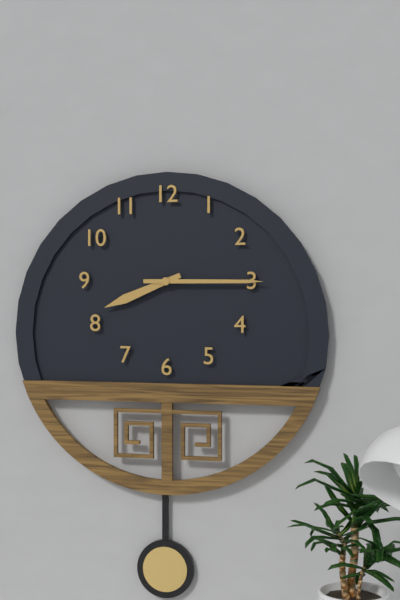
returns 8.15
